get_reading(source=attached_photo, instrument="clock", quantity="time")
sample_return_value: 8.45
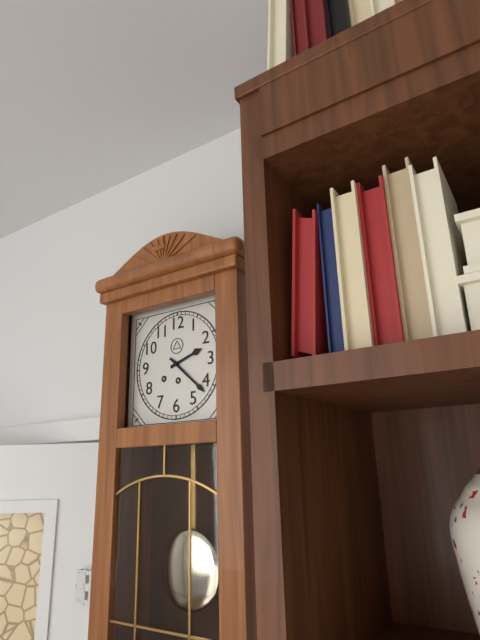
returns 2.22
